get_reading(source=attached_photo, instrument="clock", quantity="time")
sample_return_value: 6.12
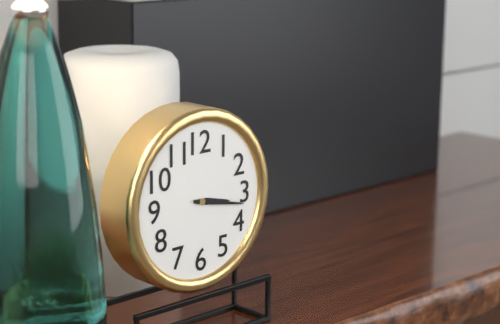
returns 3.17
